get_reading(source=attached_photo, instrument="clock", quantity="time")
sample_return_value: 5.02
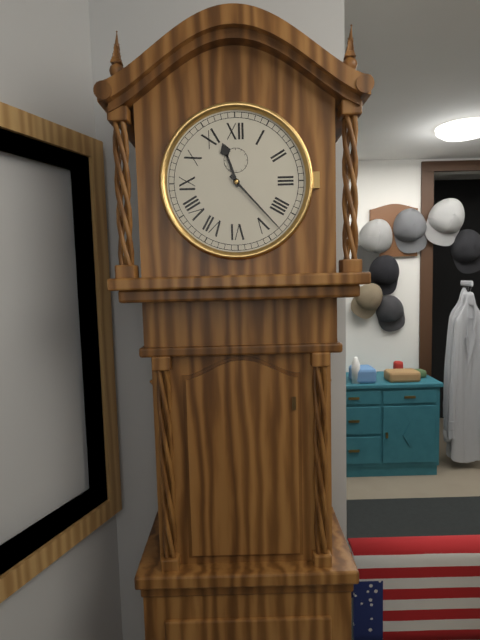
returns 11.23
